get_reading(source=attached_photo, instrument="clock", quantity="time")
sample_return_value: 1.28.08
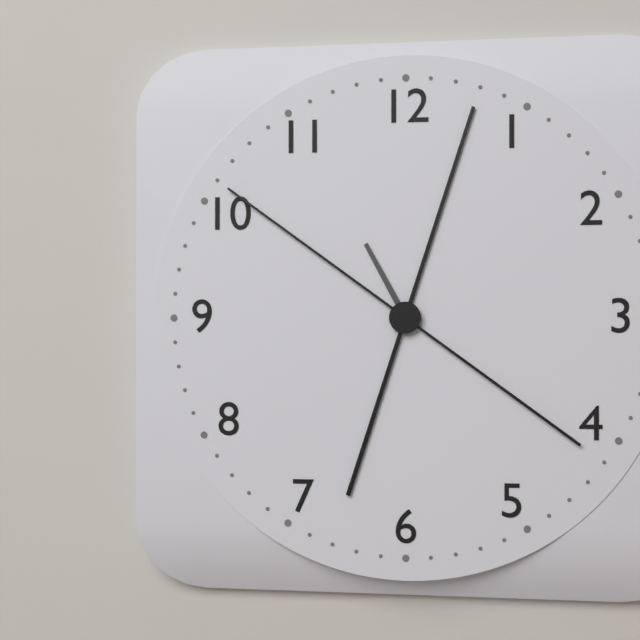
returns 11.03.51
